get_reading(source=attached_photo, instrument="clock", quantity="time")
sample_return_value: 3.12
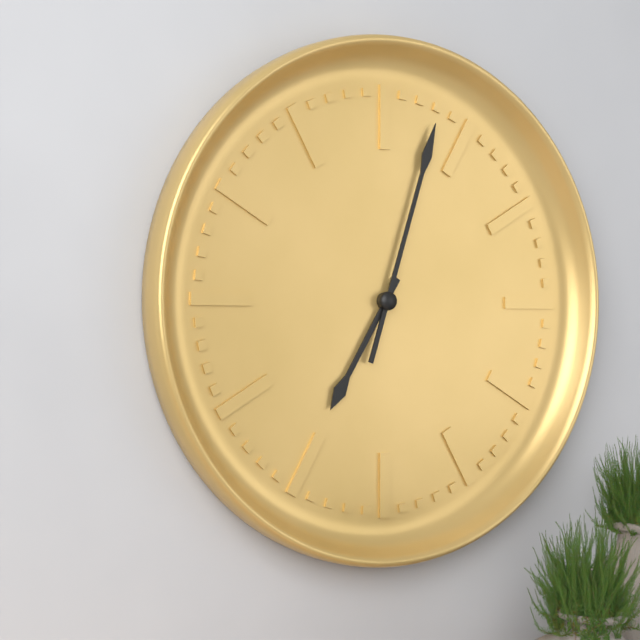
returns 7.03
